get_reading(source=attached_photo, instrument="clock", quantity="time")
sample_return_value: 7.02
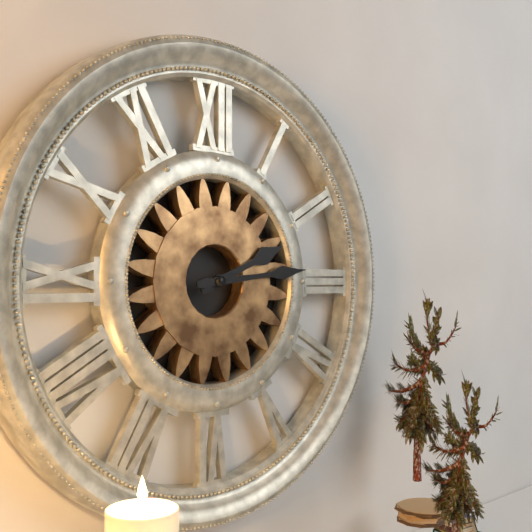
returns 2.14
